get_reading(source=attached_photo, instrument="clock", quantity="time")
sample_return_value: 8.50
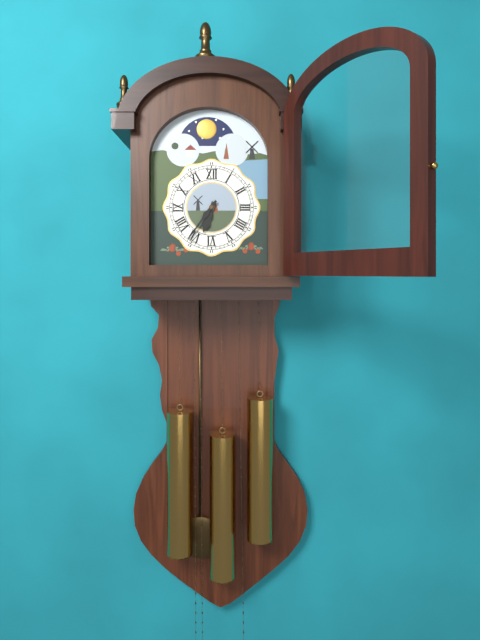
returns 6.36
